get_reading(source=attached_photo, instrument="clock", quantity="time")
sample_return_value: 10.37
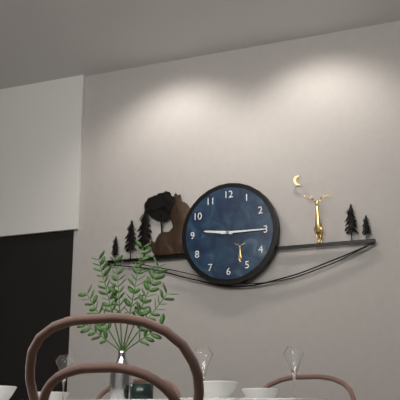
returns 9.15
